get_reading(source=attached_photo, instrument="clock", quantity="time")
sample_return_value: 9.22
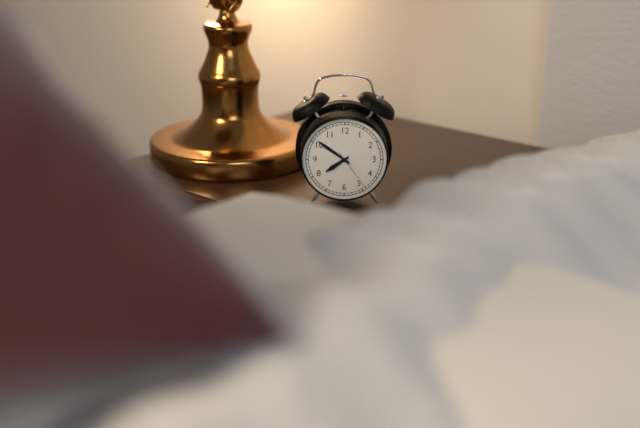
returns 7.51
